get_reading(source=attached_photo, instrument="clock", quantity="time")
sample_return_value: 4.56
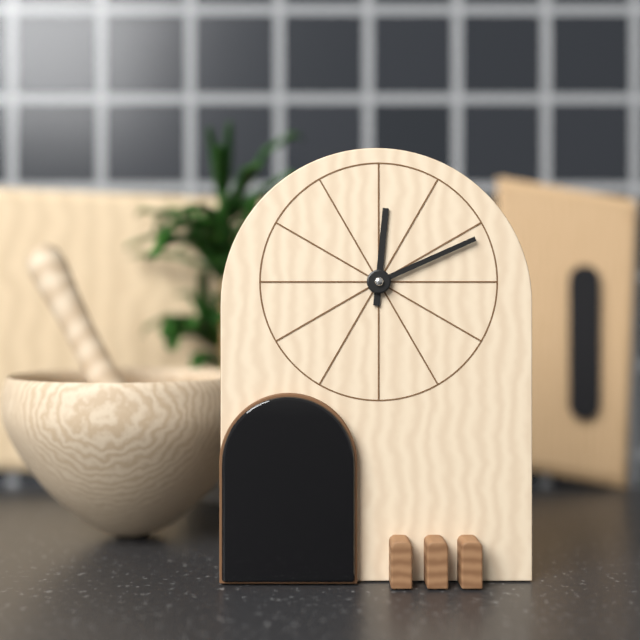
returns 12.11
